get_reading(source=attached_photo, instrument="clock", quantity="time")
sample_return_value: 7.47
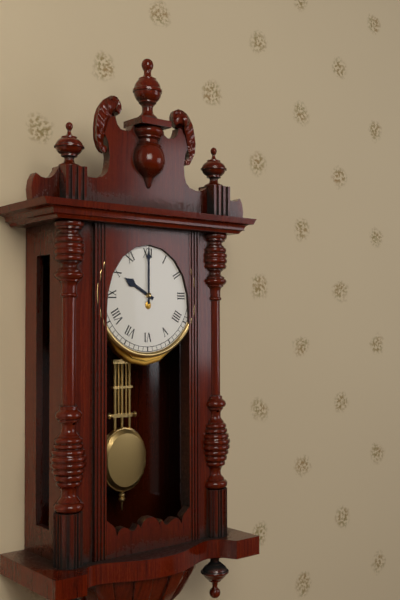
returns 10.00
